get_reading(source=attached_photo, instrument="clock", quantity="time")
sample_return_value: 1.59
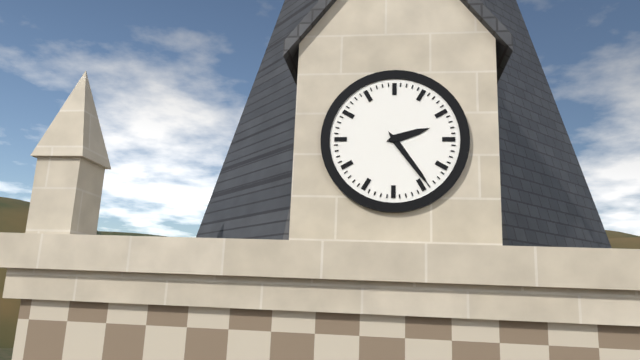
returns 2.24
